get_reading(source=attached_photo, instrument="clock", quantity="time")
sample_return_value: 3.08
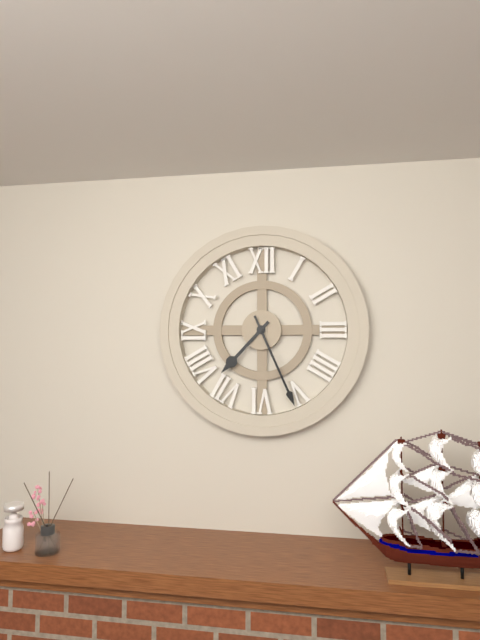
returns 7.26
